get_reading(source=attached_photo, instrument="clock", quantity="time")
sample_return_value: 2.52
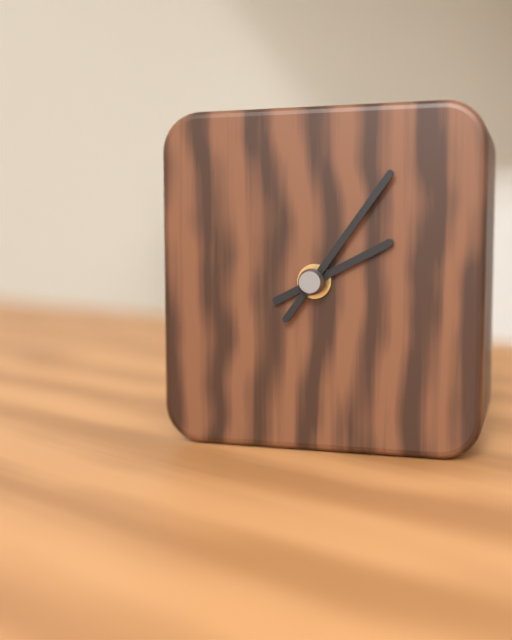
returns 2.06
